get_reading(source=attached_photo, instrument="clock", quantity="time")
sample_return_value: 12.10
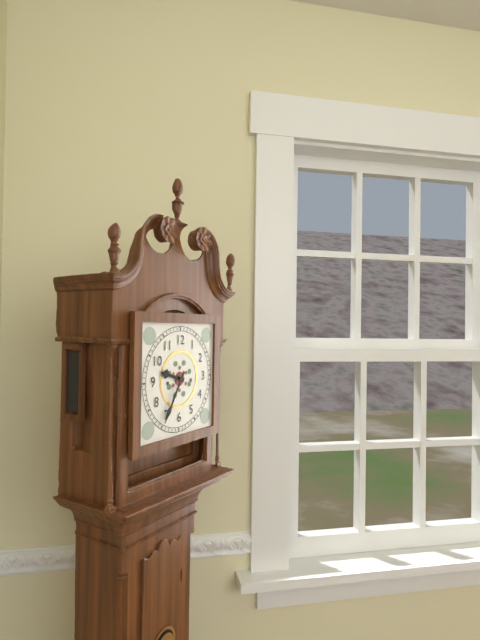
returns 9.35
